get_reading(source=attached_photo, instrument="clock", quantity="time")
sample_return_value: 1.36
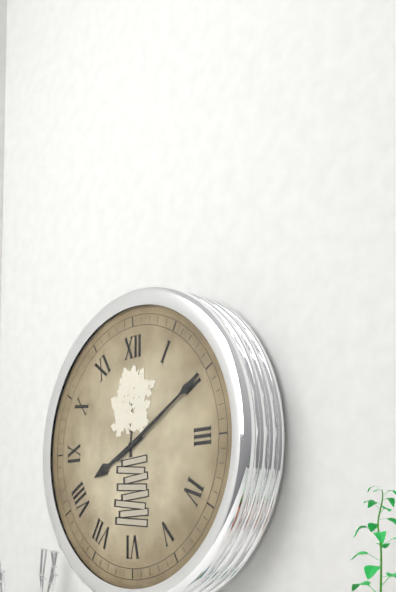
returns 8.10
